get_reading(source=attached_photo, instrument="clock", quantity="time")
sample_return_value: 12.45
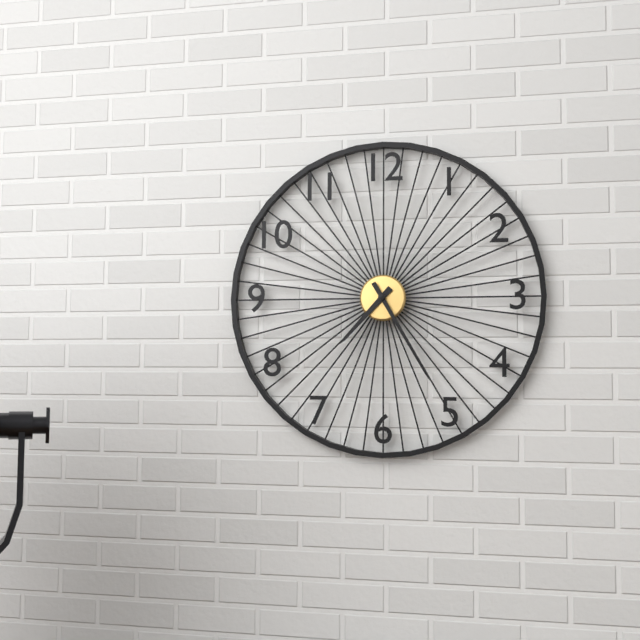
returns 7.25
